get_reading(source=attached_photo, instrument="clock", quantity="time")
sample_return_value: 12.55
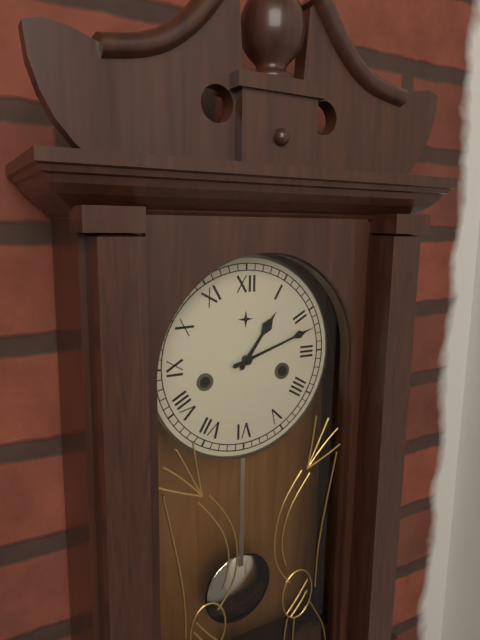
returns 1.12
